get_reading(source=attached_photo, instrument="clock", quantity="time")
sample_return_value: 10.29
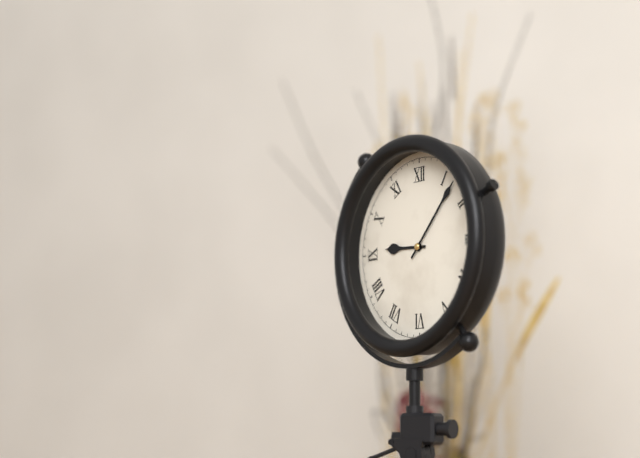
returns 9.07
